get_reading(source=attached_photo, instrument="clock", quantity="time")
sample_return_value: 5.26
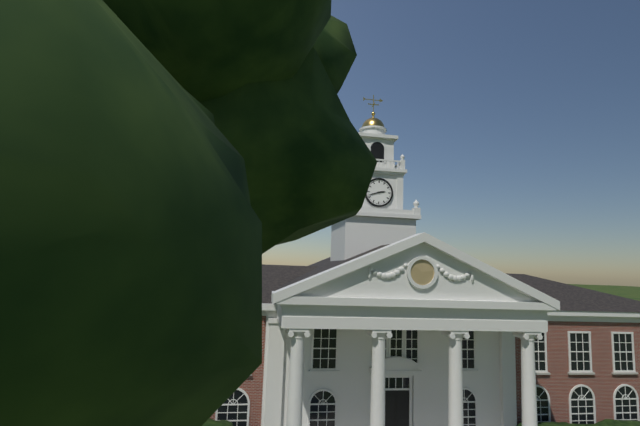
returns 2.42
